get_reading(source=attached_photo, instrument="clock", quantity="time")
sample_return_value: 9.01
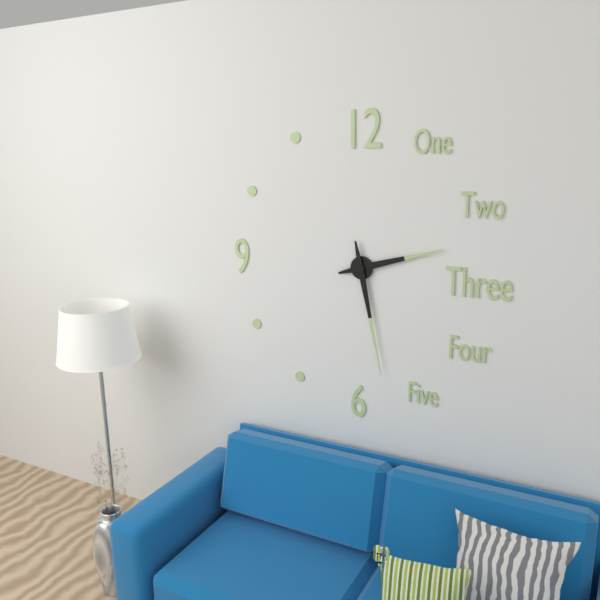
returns 2.28
